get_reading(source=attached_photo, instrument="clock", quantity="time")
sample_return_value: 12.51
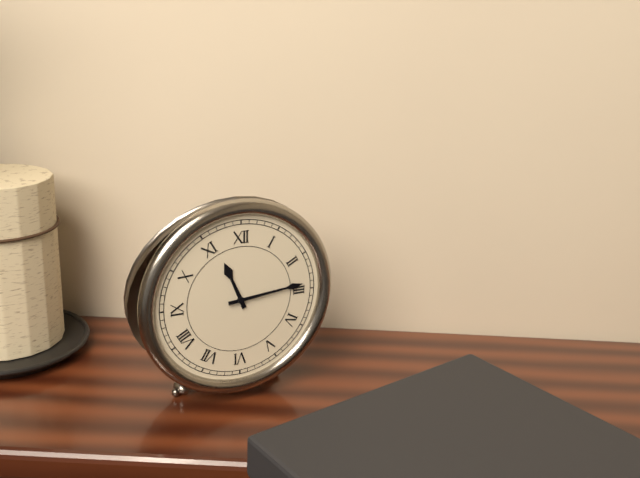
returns 11.14
